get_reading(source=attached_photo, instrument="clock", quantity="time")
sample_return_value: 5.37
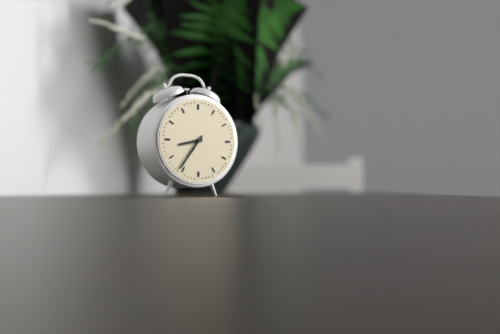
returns 8.36
